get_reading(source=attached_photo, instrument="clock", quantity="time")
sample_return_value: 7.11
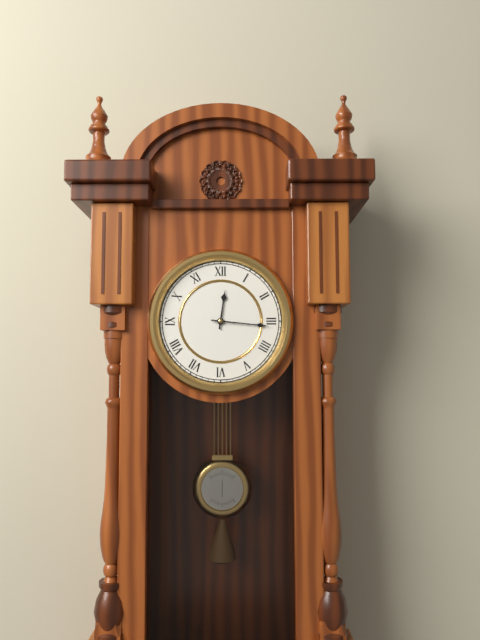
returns 12.16
